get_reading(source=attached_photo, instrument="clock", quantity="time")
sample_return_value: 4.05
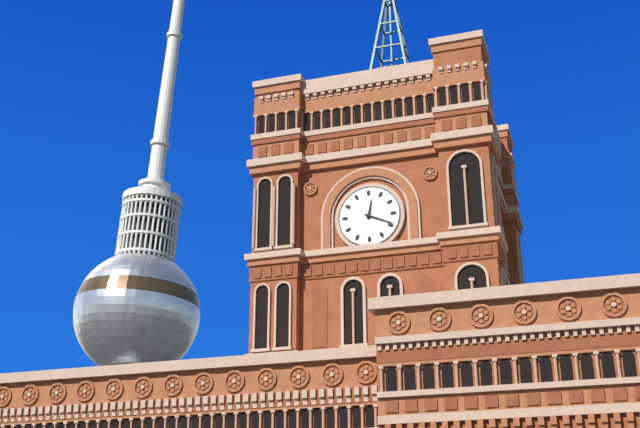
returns 12.19
